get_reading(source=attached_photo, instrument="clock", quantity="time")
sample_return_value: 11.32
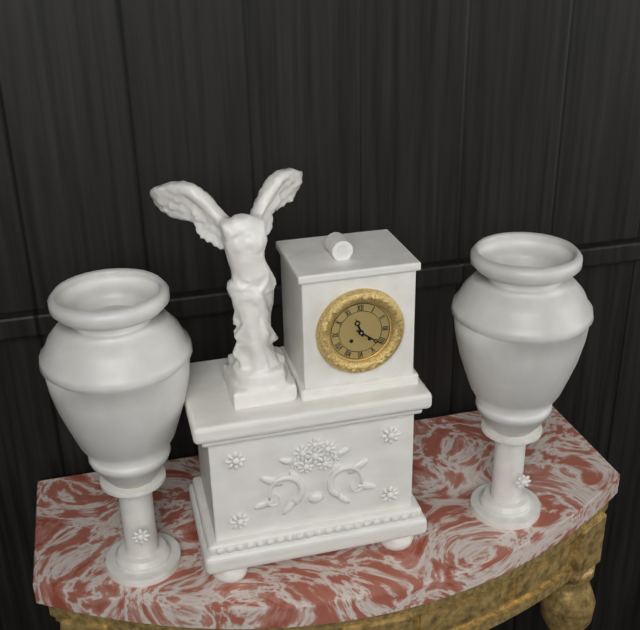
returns 11.21
